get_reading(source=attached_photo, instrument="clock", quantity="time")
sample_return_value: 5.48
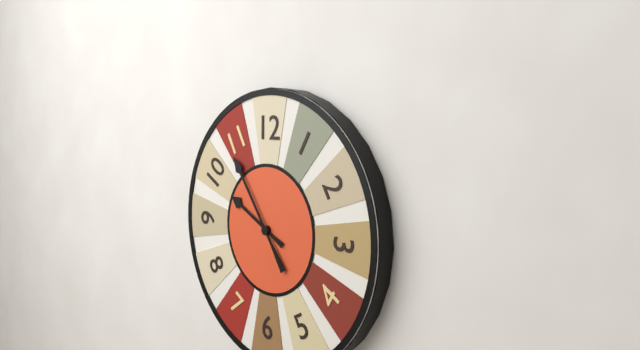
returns 9.54
